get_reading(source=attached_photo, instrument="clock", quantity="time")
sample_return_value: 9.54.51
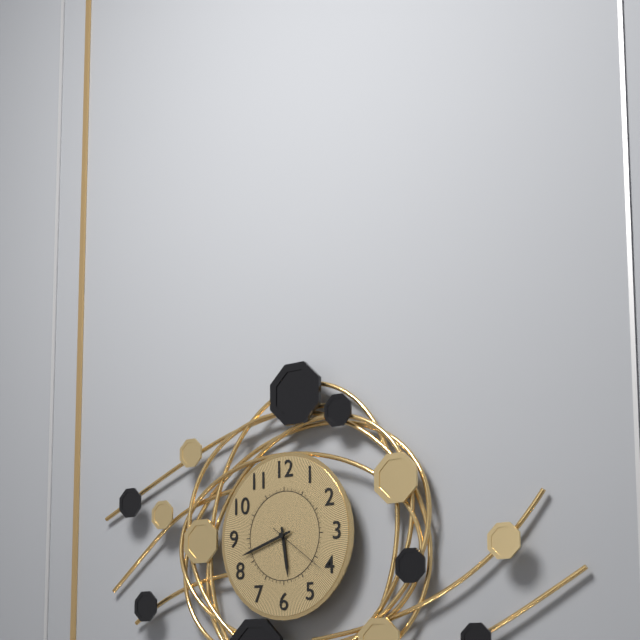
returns 5.42.21
